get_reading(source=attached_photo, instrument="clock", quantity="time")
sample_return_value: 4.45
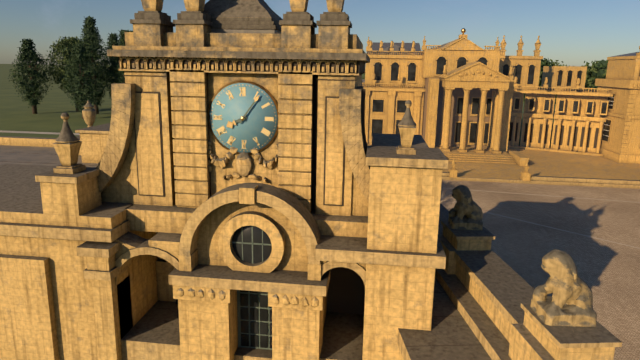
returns 8.06
